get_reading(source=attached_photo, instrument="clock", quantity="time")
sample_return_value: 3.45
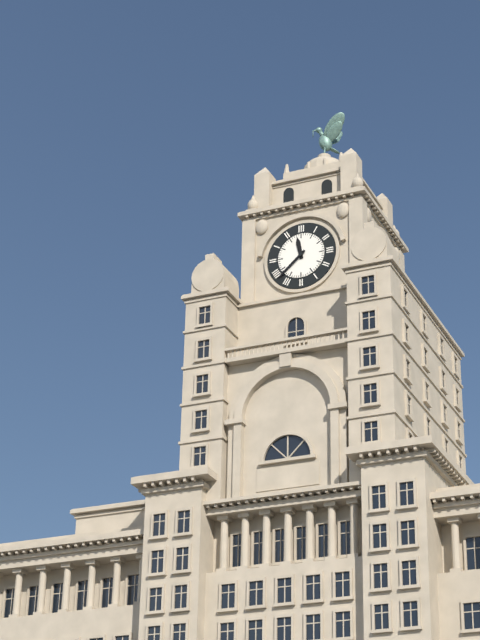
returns 11.38
